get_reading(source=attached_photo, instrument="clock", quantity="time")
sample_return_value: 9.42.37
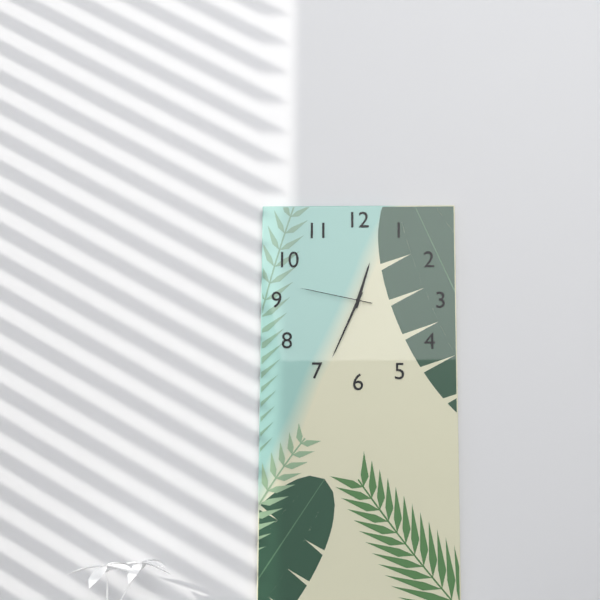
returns 12.34.47
